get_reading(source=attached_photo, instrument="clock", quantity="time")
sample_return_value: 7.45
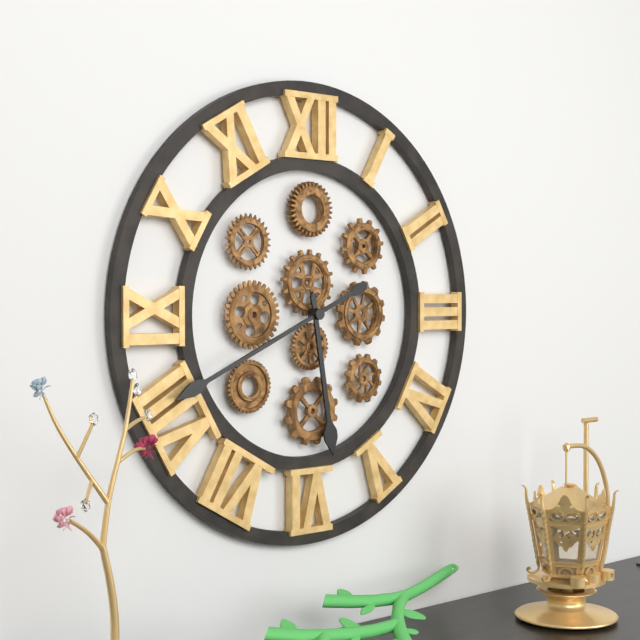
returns 5.41
